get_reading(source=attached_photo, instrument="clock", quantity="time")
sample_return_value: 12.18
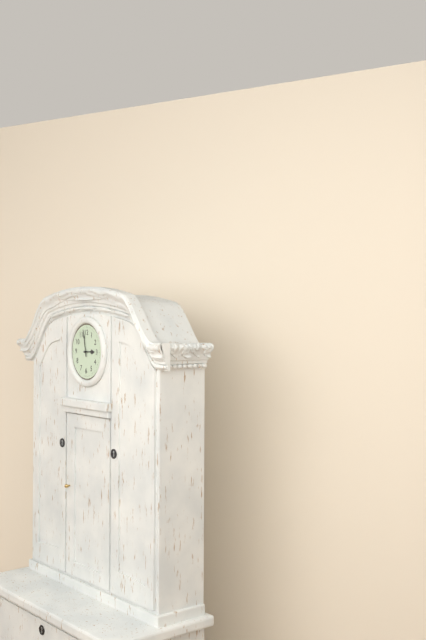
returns 2.58
